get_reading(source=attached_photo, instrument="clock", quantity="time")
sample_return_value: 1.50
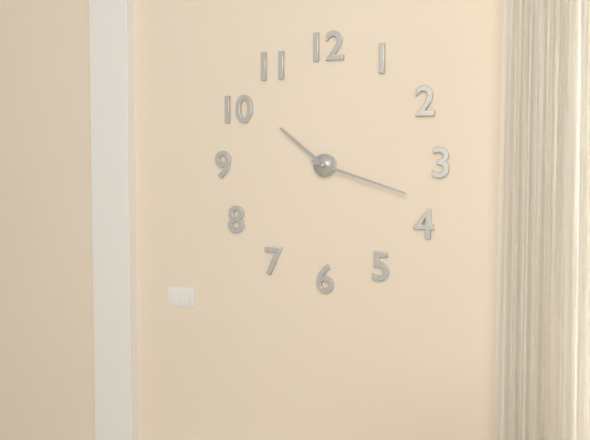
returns 10.18
